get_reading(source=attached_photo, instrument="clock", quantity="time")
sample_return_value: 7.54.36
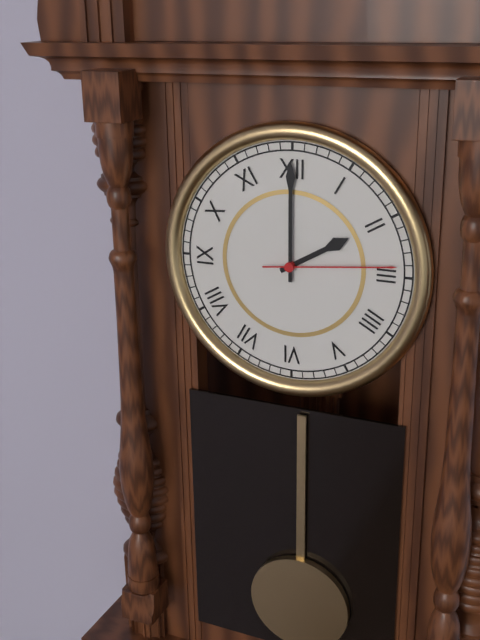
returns 2.00.14
